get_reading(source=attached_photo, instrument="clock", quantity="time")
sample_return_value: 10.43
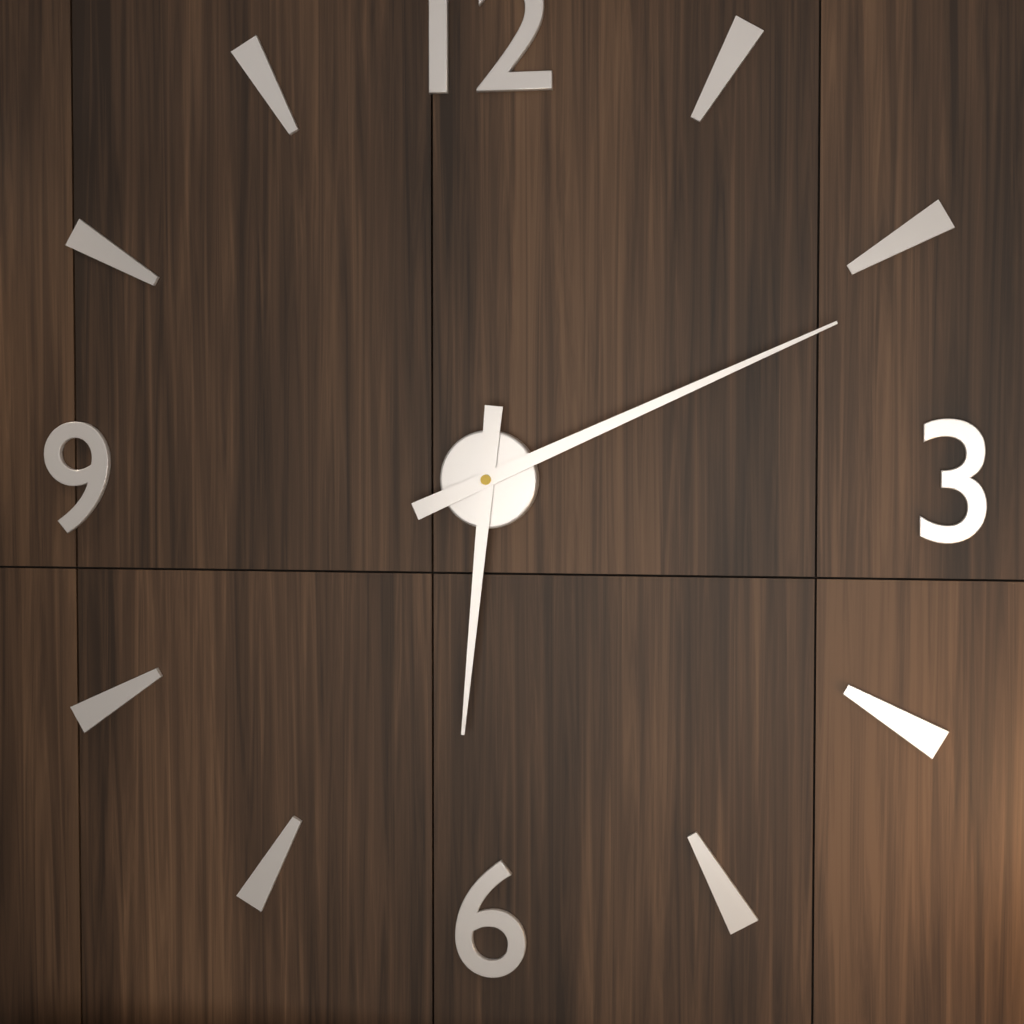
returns 6.11
